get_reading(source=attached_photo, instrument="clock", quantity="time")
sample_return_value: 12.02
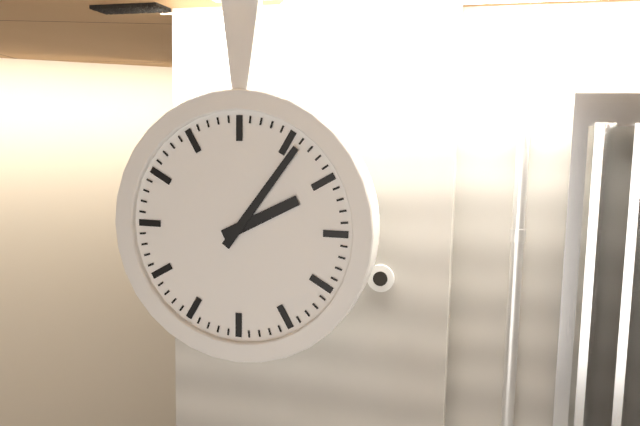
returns 2.06
